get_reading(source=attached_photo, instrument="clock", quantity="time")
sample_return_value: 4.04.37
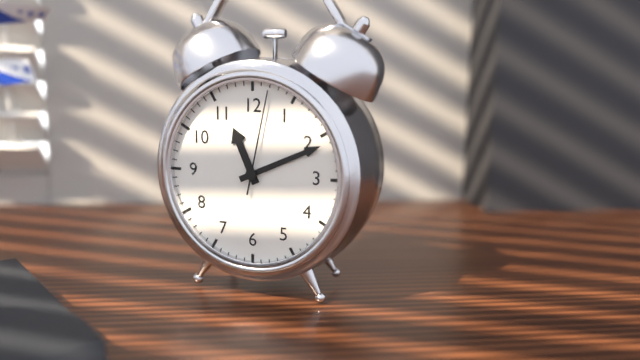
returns 11.11.02
